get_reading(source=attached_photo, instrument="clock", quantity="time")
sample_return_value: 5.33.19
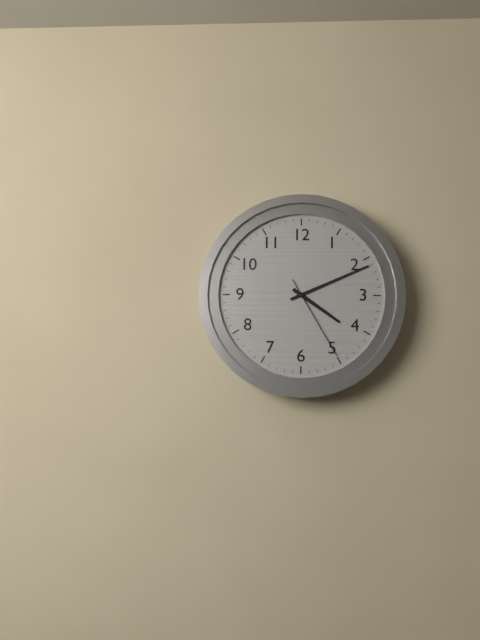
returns 4.11.25
